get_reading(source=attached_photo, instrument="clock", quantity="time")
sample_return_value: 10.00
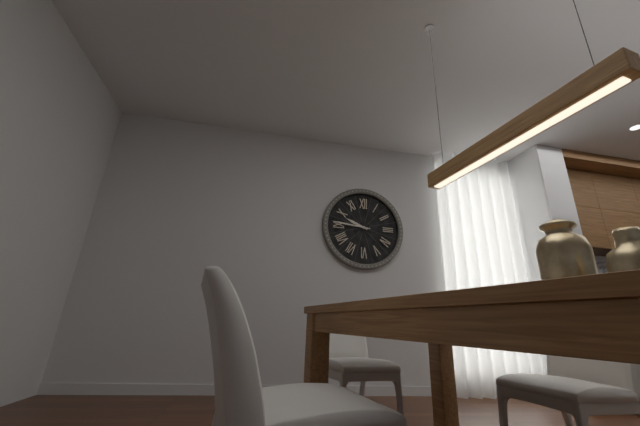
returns 9.46
